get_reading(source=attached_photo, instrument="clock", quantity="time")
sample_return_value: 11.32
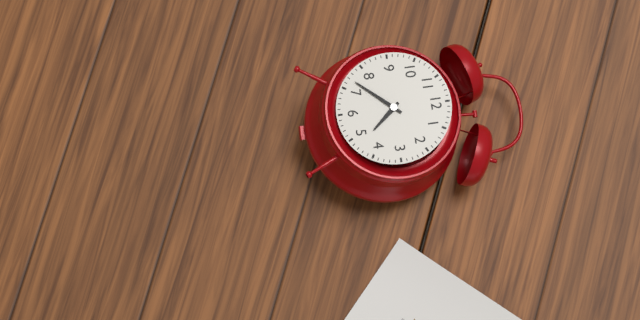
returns 4.37
